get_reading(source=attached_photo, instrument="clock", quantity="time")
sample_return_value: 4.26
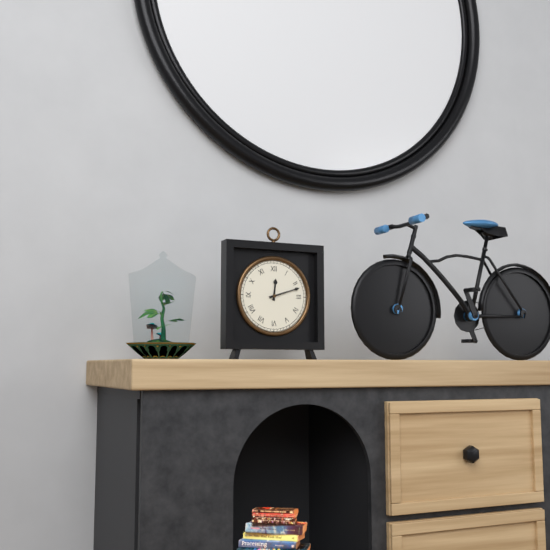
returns 12.12
